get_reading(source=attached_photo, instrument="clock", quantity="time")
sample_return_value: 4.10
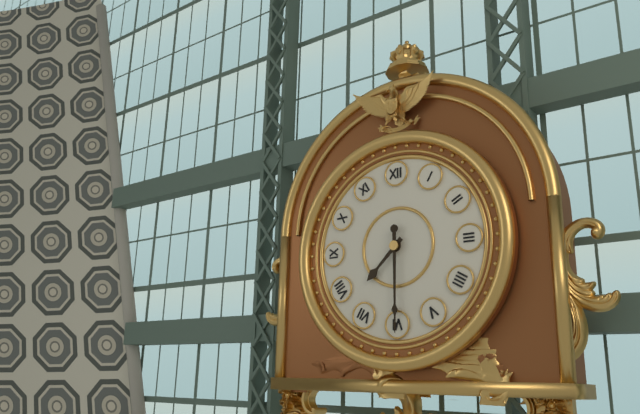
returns 7.30
